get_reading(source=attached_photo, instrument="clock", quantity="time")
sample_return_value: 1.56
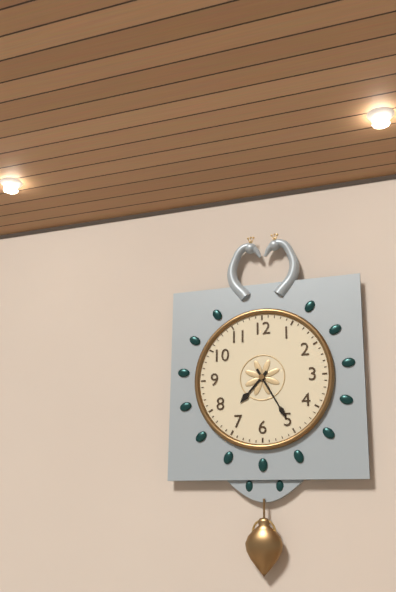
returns 7.25
